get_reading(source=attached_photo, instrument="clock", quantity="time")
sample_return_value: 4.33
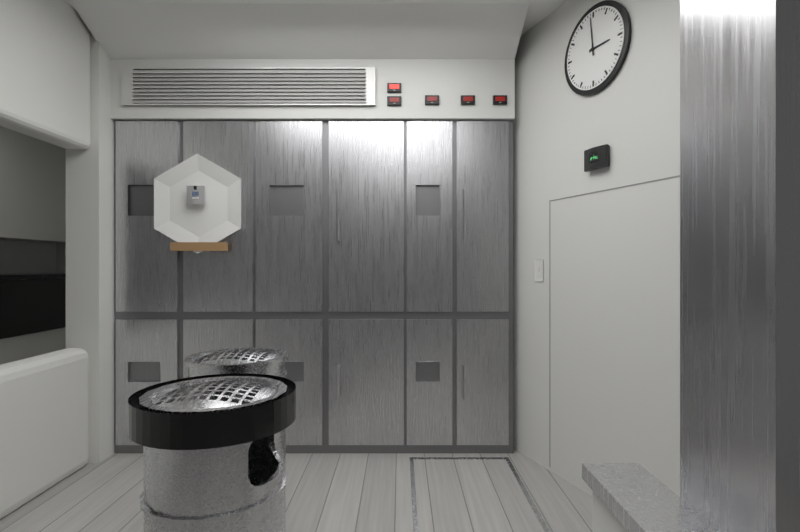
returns 2.59
